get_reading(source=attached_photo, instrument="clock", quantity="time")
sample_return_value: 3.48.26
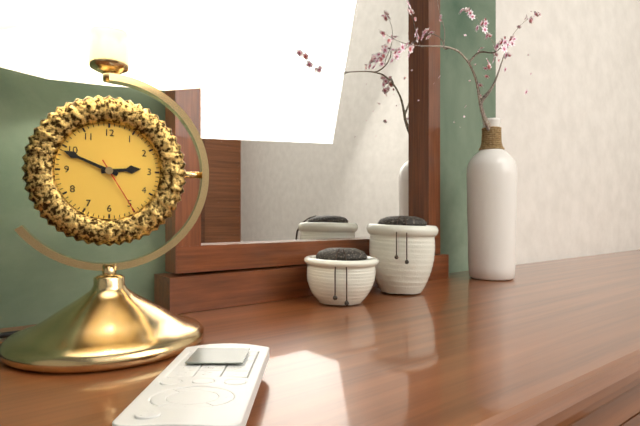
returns 2.49.25
